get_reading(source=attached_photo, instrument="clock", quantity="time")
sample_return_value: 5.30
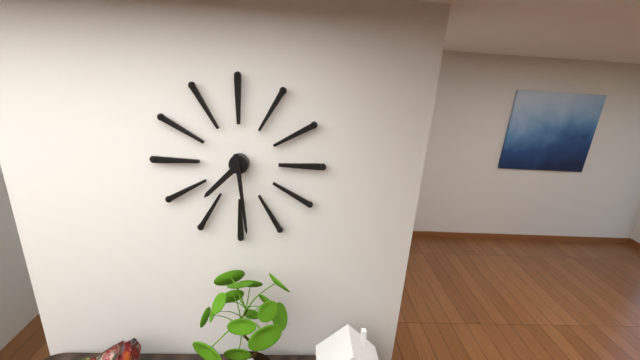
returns 7.29
